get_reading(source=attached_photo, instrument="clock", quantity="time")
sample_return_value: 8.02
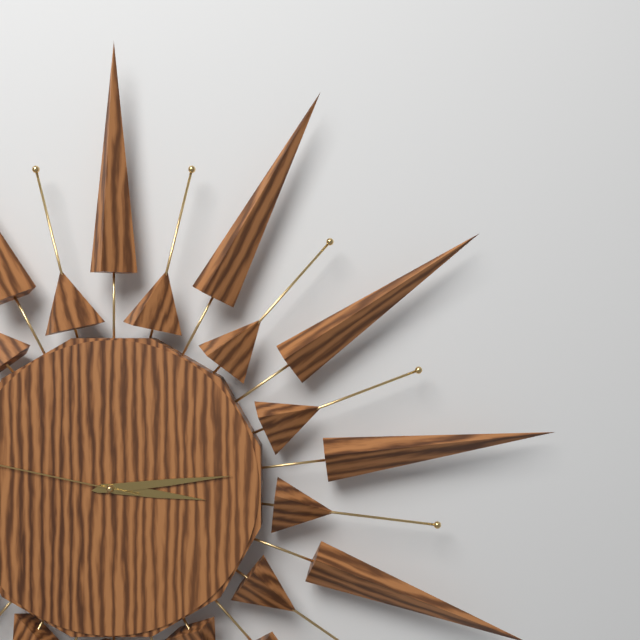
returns 3.14
